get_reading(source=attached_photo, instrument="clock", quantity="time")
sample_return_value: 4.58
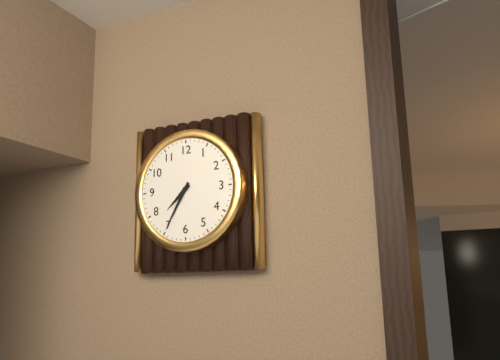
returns 7.35
